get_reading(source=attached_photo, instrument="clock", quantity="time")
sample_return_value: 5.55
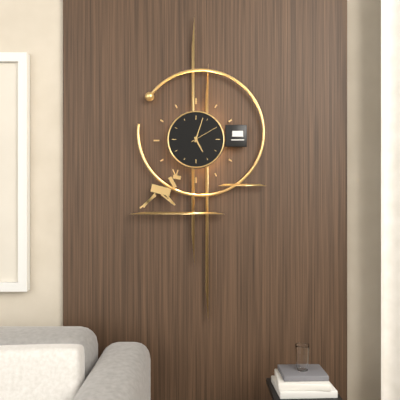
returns 5.03
